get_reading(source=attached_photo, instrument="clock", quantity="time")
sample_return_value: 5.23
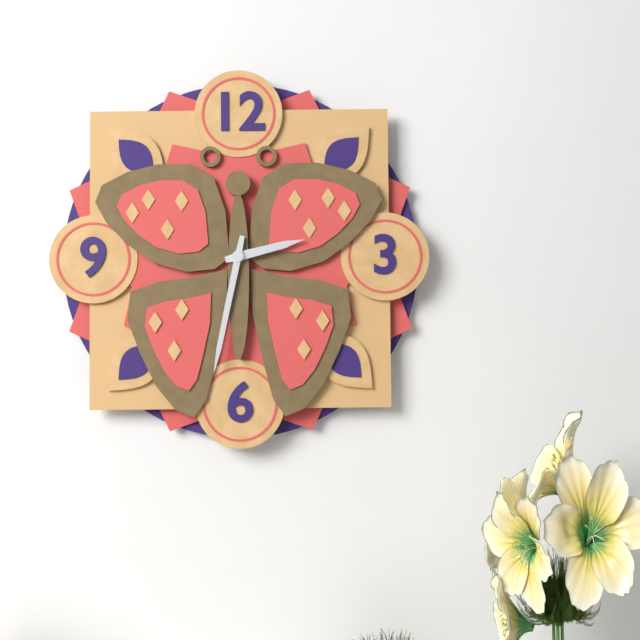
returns 2.32
